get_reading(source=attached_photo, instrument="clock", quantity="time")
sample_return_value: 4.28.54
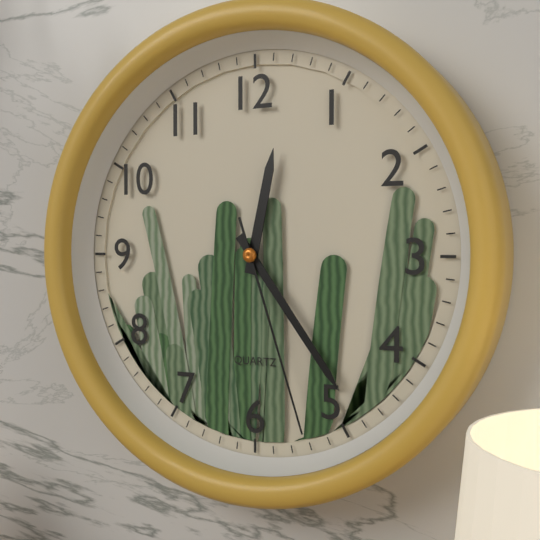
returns 12.24.27
